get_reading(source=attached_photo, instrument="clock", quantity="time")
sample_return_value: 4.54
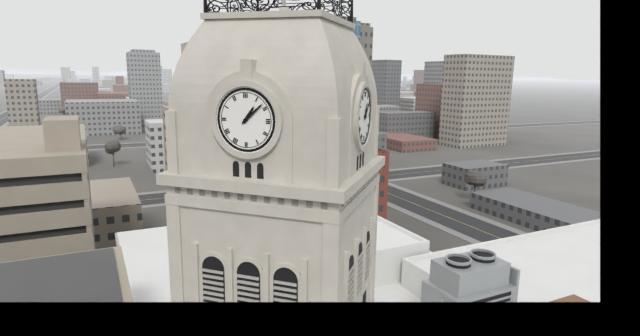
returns 1.08
